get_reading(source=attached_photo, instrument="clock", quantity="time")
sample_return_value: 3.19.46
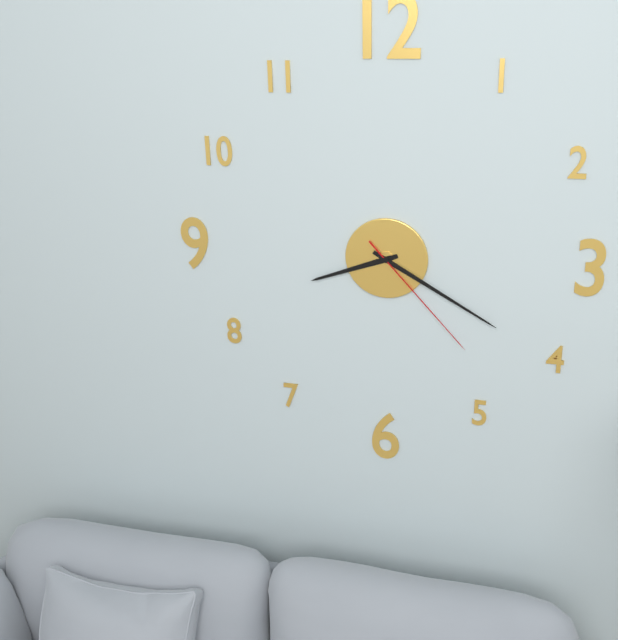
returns 8.20.23
